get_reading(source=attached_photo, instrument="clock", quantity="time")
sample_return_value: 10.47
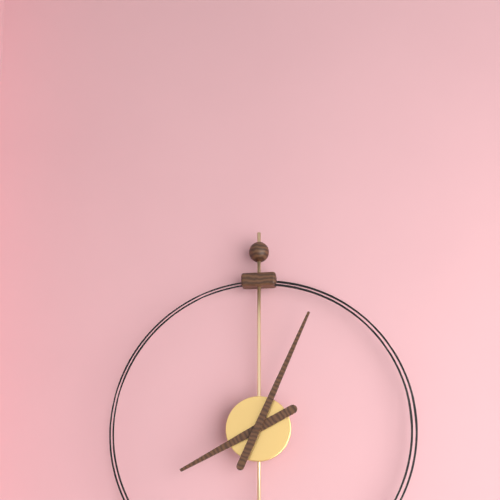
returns 8.04
